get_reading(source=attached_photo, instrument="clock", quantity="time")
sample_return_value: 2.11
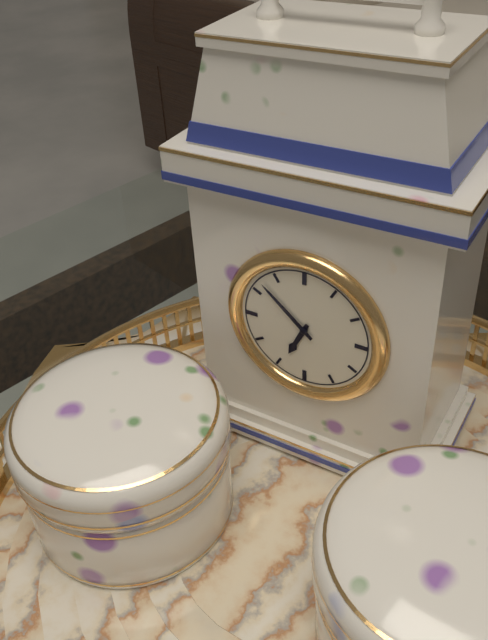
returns 6.52
